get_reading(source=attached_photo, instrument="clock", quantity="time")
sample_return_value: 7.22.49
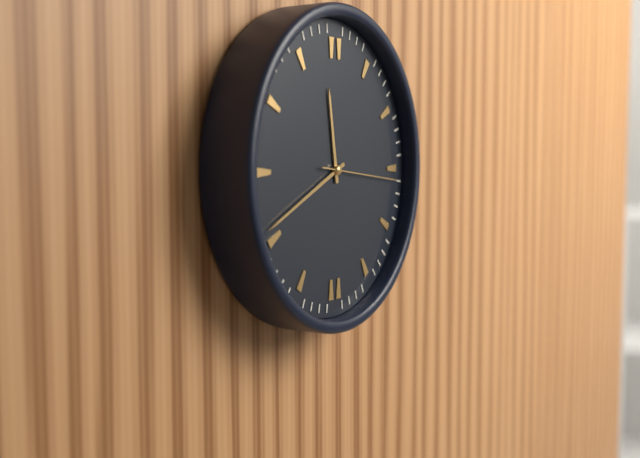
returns 11.41.16
